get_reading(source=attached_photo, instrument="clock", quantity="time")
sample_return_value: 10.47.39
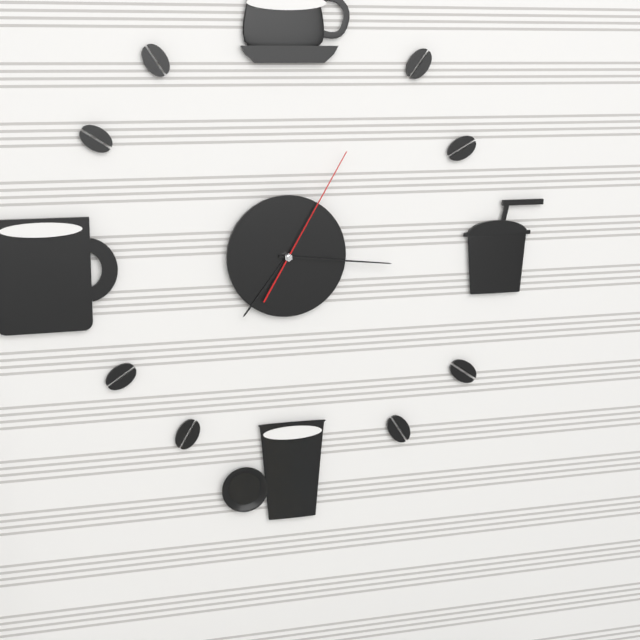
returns 7.16.05
